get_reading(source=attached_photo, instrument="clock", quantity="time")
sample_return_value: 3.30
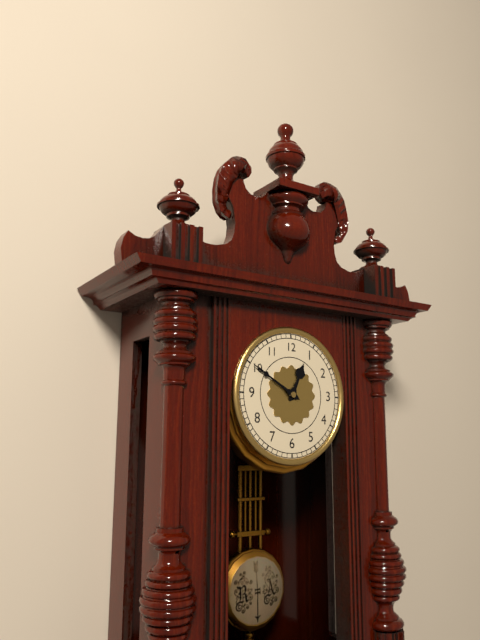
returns 12.50
